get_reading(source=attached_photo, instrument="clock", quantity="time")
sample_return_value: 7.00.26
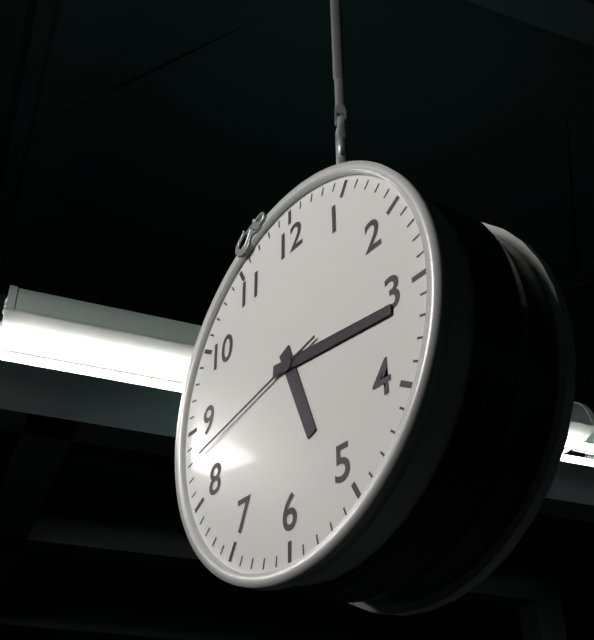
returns 5.16.43
